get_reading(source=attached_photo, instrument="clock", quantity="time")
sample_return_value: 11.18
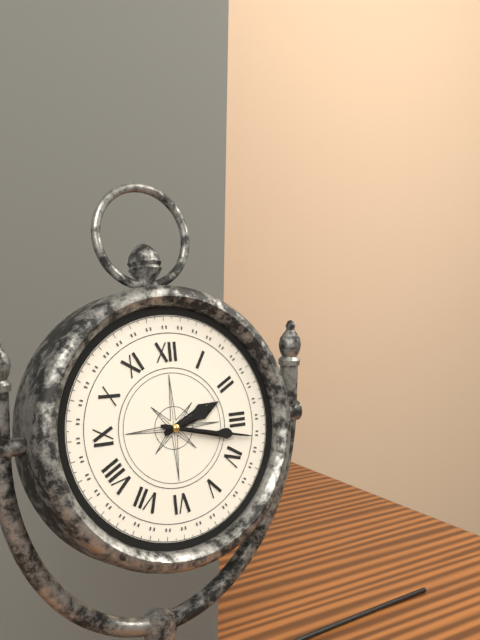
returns 2.17
